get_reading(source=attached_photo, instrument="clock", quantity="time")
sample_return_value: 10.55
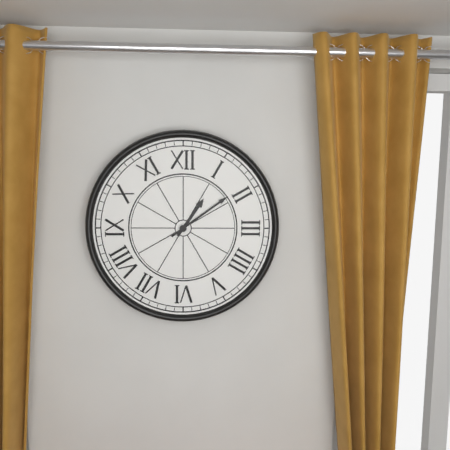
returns 1.09
